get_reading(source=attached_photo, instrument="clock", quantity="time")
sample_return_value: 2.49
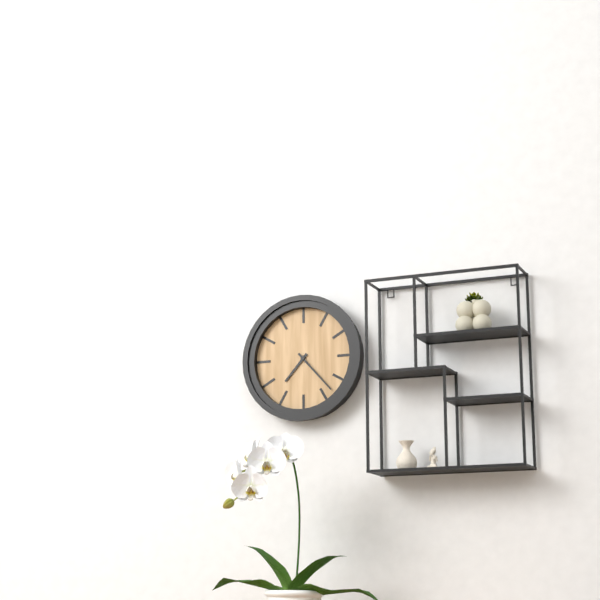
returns 7.23
